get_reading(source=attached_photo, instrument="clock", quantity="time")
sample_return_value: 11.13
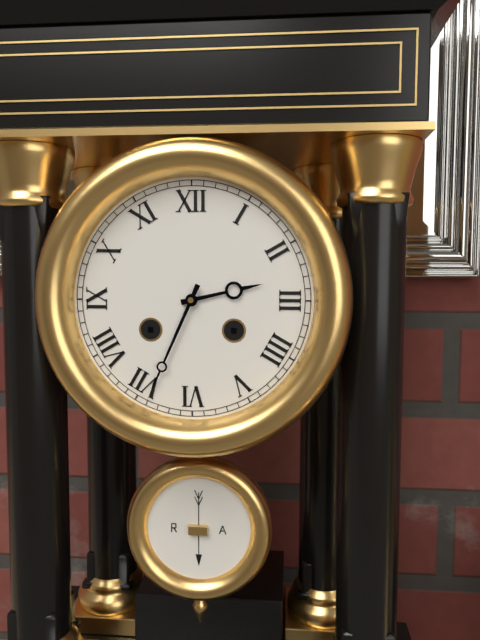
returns 2.34
